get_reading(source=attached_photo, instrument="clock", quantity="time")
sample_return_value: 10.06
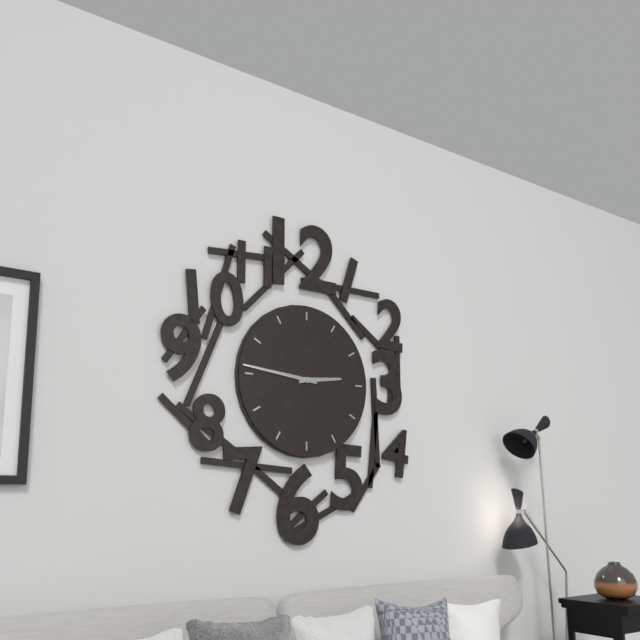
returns 2.46
